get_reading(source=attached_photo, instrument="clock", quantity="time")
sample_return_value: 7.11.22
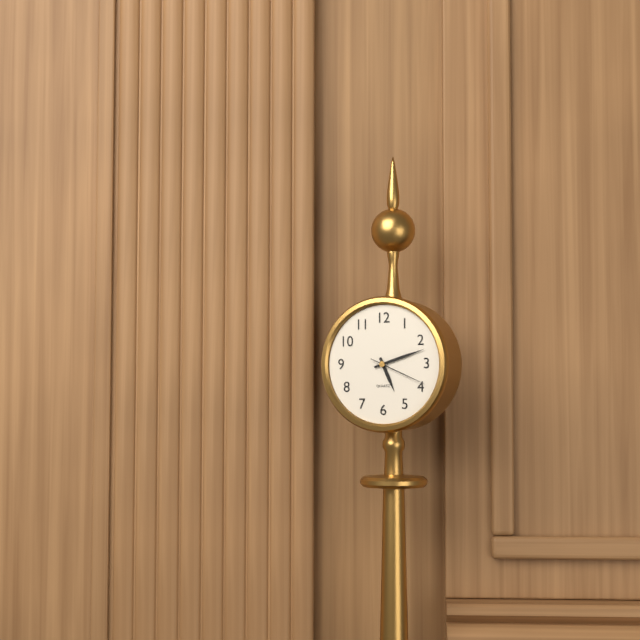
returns 5.12.19
